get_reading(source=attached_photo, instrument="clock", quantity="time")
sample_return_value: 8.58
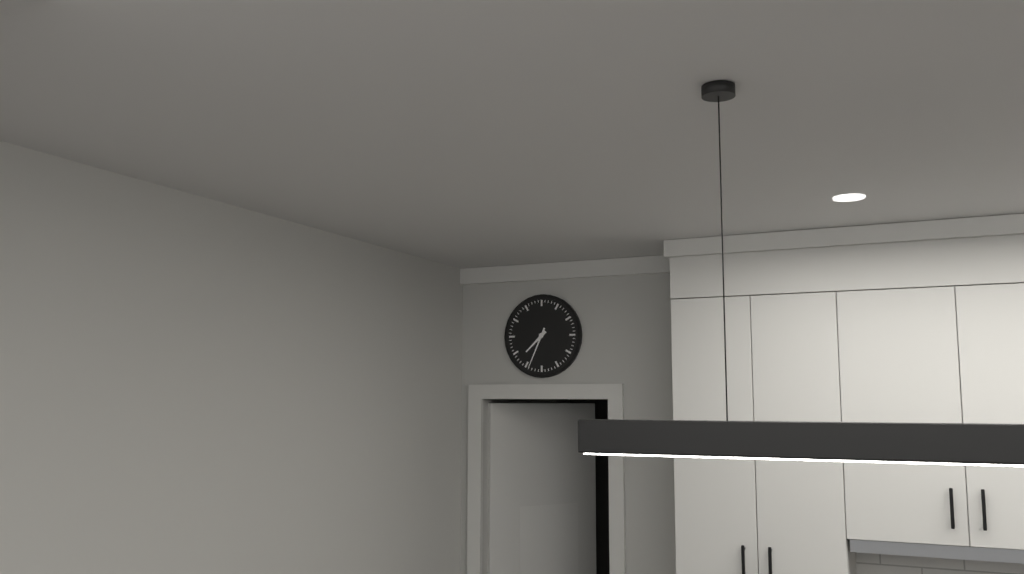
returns 7.34
